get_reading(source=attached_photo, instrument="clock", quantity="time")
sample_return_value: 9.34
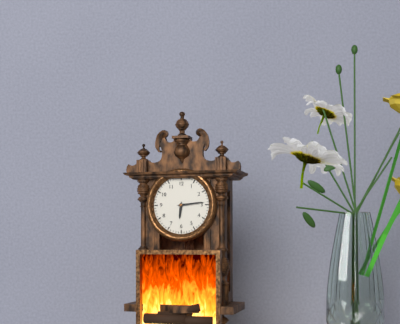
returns 6.14
